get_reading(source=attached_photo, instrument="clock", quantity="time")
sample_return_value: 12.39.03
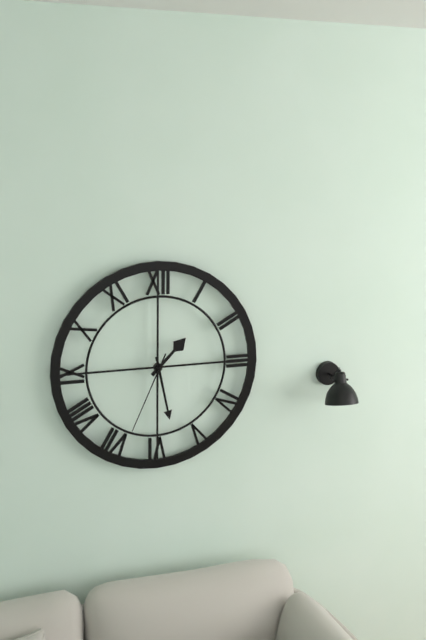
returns 1.28.34
